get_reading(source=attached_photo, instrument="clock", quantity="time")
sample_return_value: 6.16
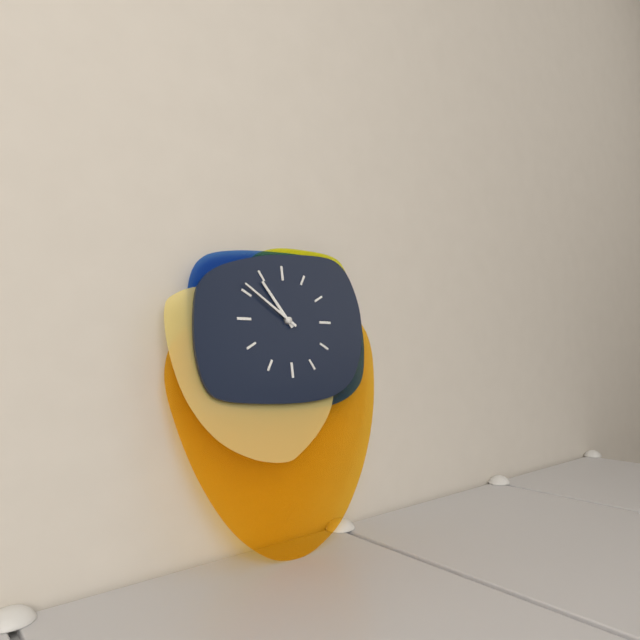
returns 10.51
